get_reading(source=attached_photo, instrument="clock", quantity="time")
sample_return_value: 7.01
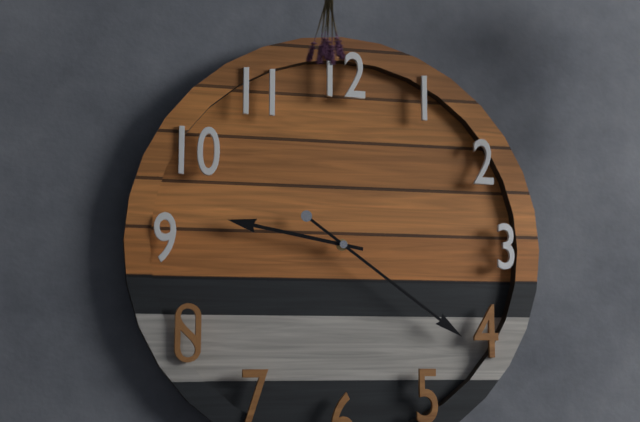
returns 9.21
